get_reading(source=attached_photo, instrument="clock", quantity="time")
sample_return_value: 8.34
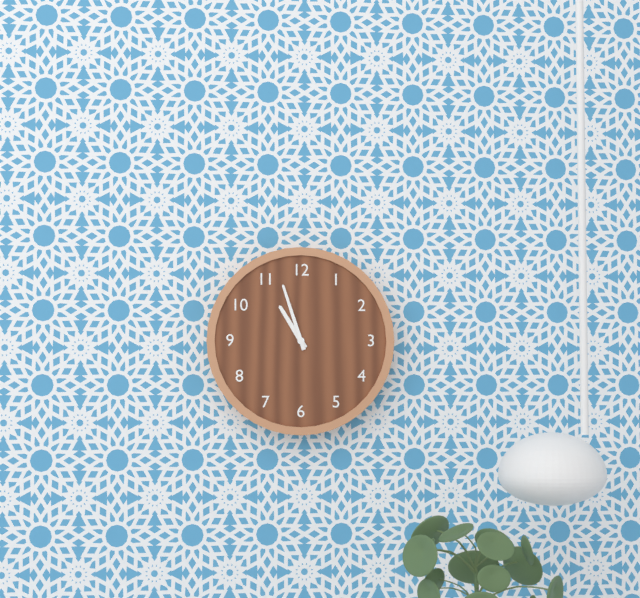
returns 10.57
